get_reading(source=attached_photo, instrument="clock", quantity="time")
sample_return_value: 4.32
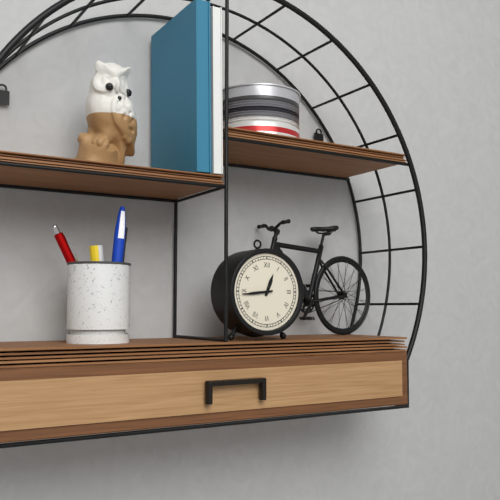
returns 12.44
